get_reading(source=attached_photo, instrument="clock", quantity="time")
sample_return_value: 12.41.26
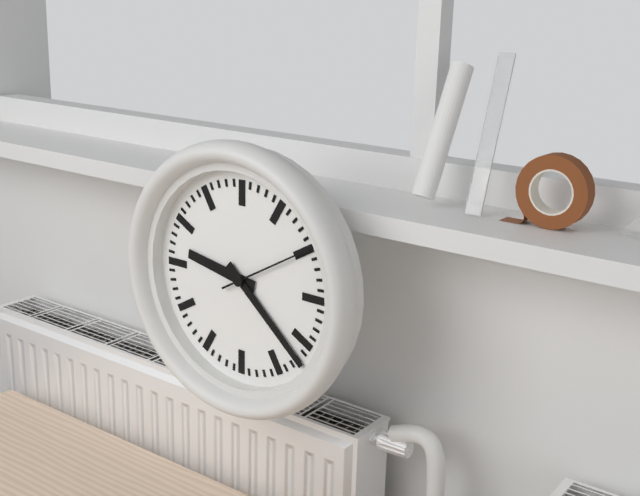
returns 9.22.10
